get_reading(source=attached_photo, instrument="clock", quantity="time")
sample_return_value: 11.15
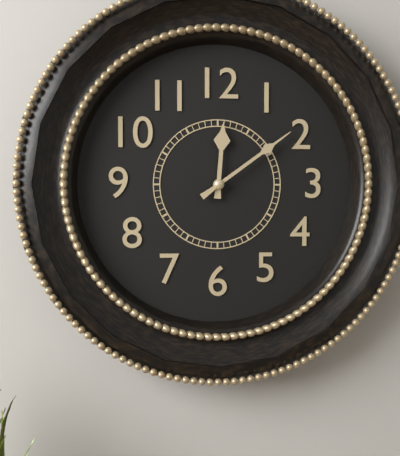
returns 12.09
